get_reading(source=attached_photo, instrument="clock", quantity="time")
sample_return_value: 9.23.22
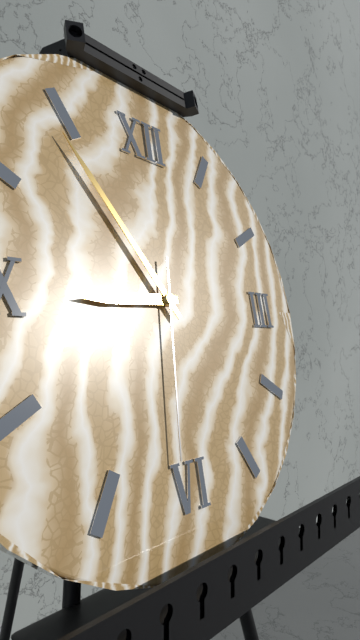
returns 8.54.31
